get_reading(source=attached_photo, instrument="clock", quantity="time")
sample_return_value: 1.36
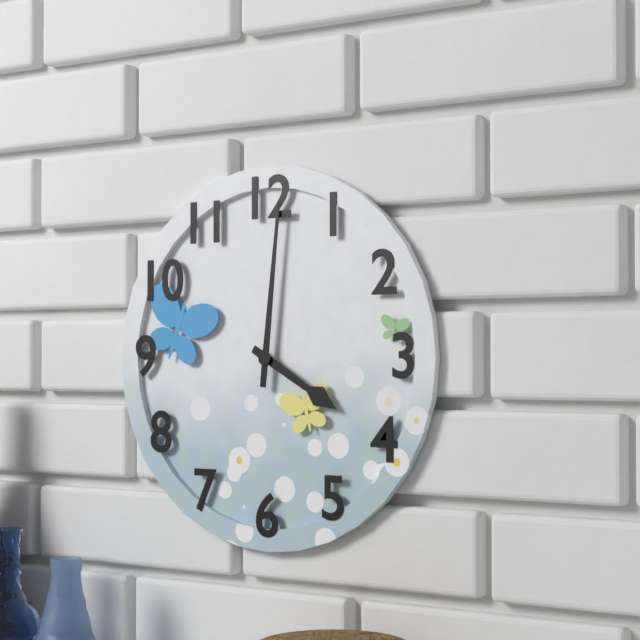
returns 4.01
